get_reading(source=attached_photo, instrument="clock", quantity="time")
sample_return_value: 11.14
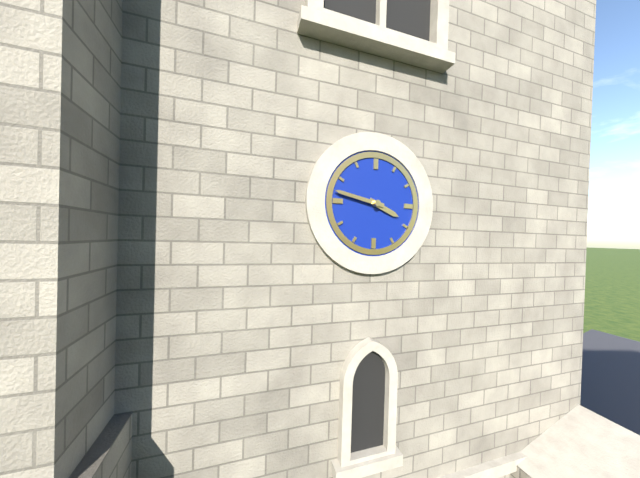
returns 3.47
